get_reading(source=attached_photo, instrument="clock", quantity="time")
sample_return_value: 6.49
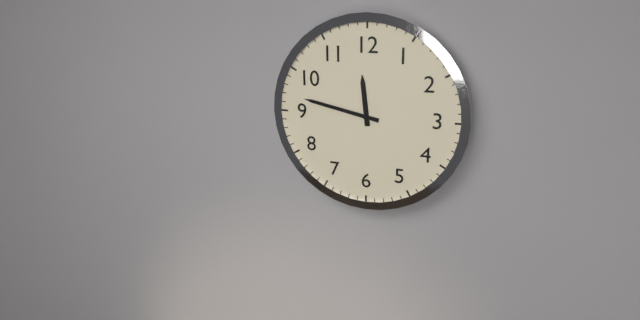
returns 11.47
